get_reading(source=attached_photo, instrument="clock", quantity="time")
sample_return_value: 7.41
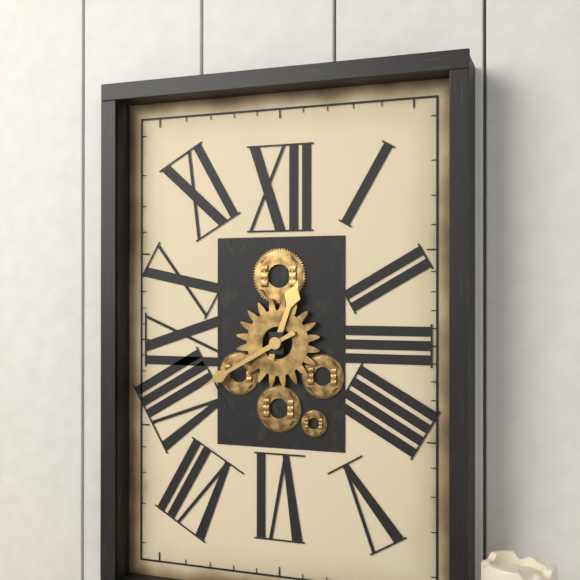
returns 12.40
